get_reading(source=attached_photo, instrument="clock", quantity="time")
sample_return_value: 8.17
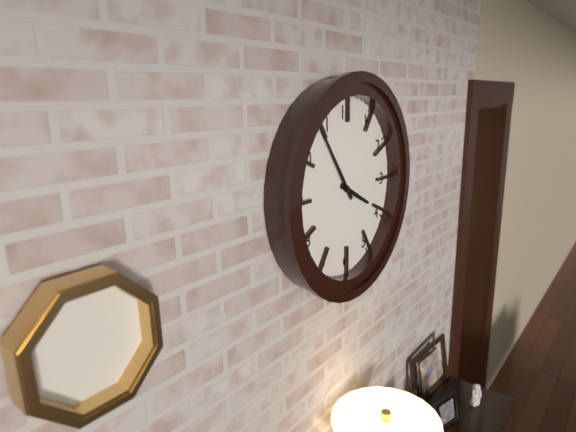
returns 3.54
